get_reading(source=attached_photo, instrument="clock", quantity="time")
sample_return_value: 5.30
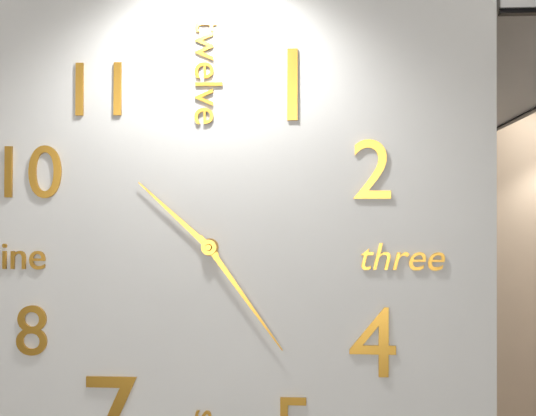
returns 10.24
